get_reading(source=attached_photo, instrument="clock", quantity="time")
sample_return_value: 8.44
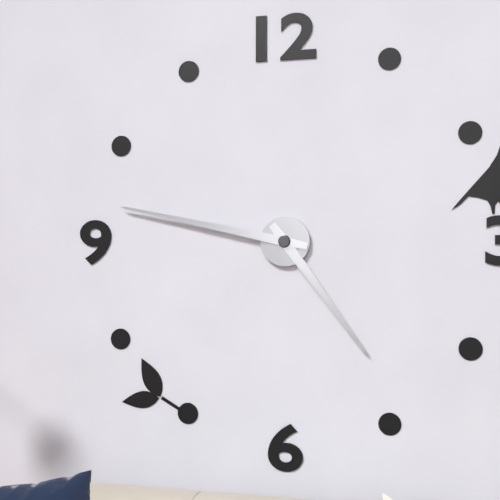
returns 4.47
